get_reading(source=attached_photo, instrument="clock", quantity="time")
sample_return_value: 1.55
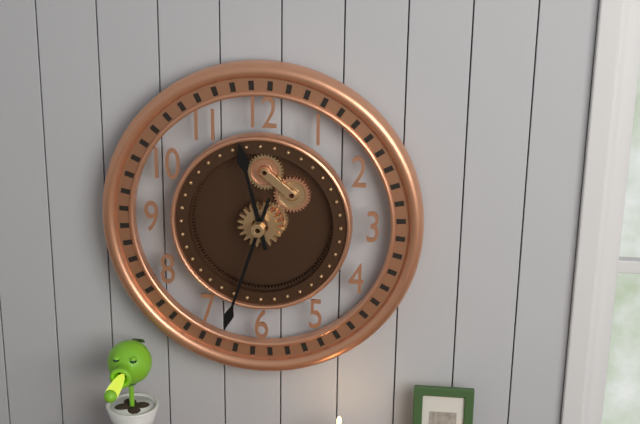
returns 11.33
